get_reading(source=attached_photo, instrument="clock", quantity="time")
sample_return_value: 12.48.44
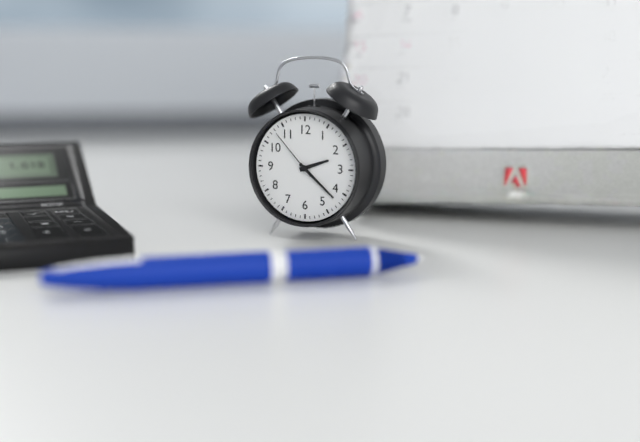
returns 2.22.53
